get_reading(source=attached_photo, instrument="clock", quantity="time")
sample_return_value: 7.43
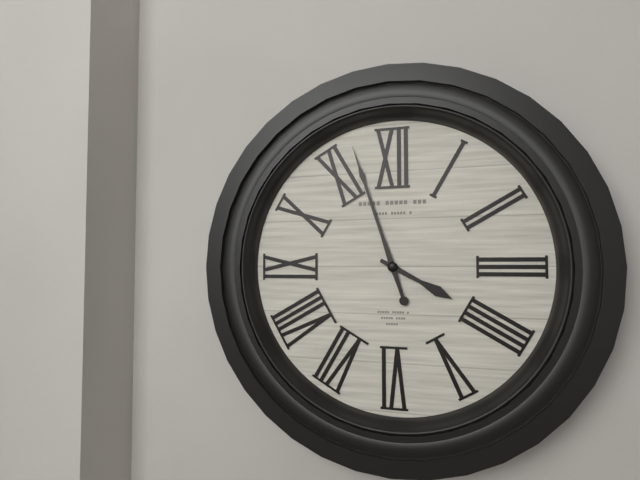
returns 3.57
